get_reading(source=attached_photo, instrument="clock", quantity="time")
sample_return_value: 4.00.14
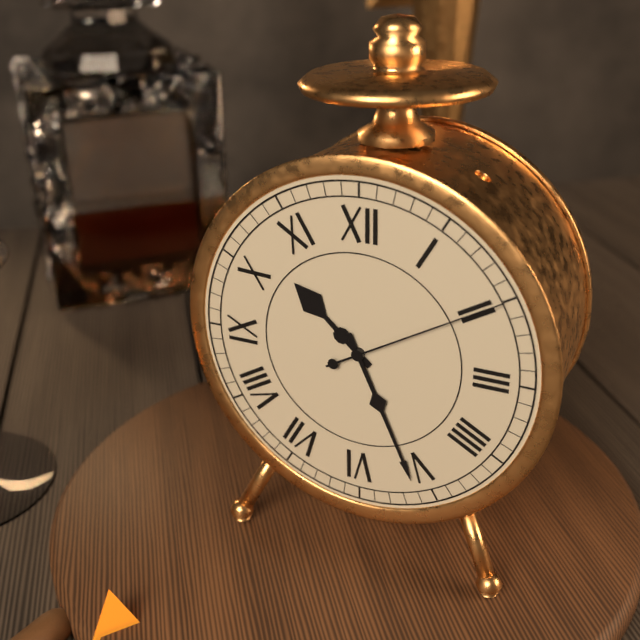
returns 10.26.10
